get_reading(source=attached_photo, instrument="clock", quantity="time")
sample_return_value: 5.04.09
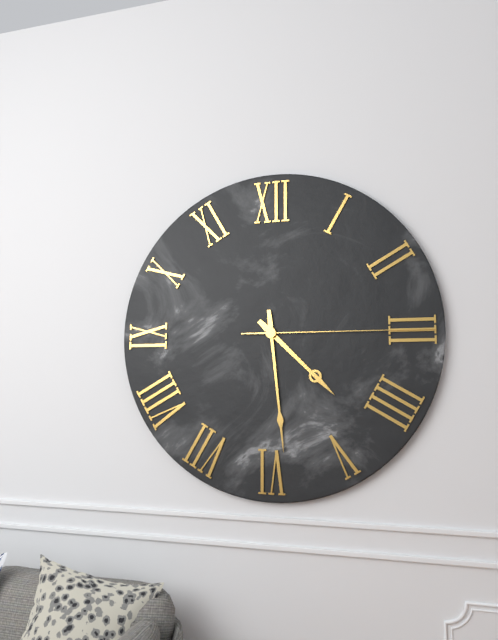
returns 4.29.15
